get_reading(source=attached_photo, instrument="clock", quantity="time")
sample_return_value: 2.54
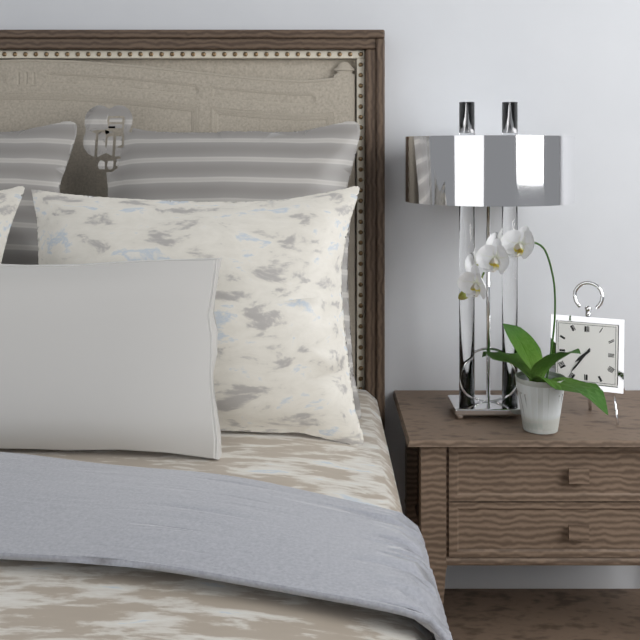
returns 7.36
